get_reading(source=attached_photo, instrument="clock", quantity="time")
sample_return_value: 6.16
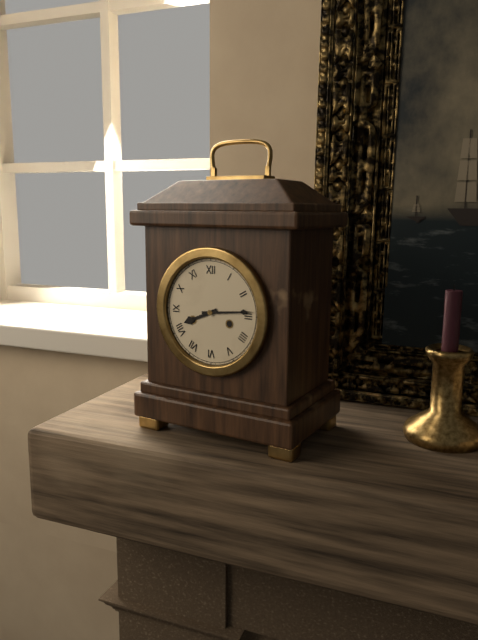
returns 8.14
